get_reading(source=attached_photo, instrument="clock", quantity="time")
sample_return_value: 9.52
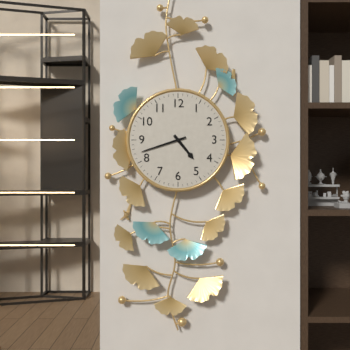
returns 4.42
